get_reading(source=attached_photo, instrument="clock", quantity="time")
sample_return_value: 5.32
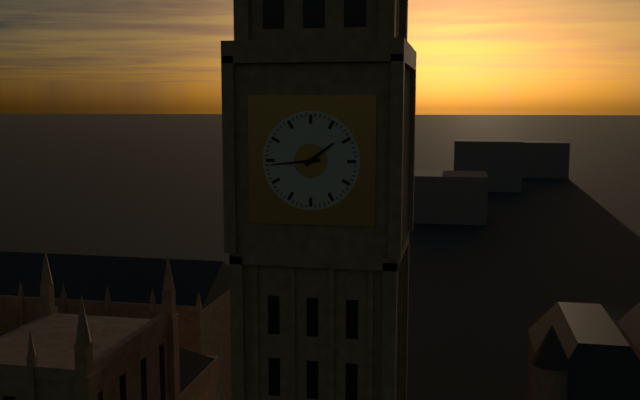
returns 1.44
